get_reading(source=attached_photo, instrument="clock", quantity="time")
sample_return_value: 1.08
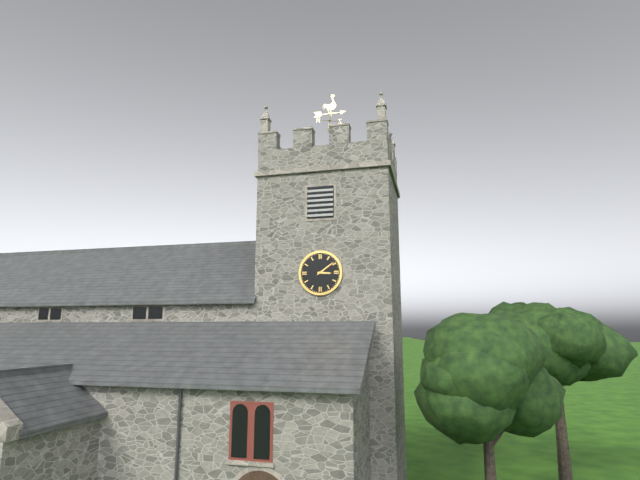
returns 3.09
